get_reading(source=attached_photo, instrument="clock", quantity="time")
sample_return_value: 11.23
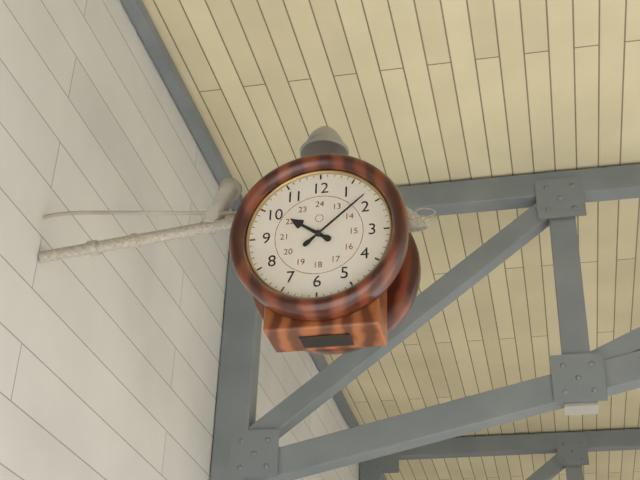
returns 10.08
